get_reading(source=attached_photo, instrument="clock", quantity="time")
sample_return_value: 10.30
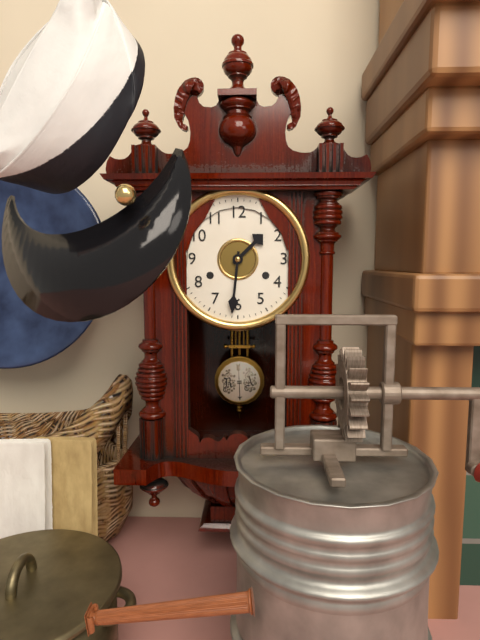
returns 1.31
